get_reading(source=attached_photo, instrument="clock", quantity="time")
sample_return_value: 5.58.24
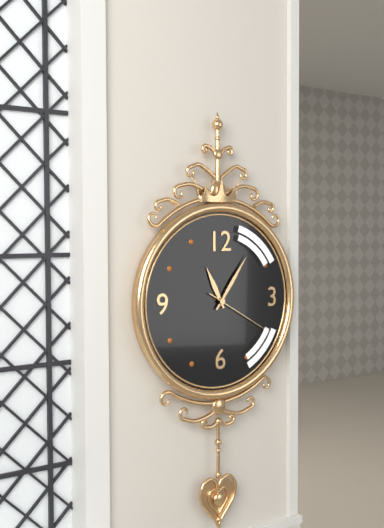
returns 11.06.20
